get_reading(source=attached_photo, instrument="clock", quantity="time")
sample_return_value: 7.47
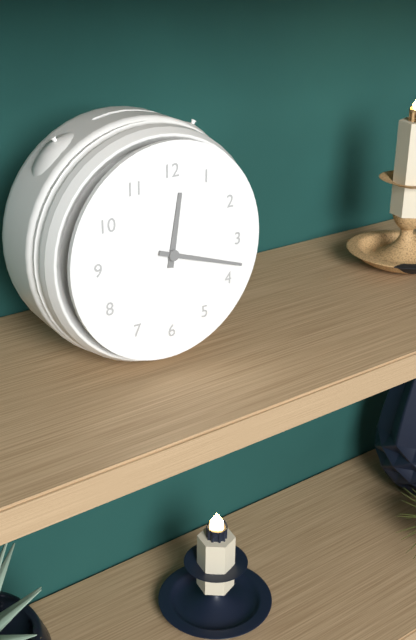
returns 12.18
